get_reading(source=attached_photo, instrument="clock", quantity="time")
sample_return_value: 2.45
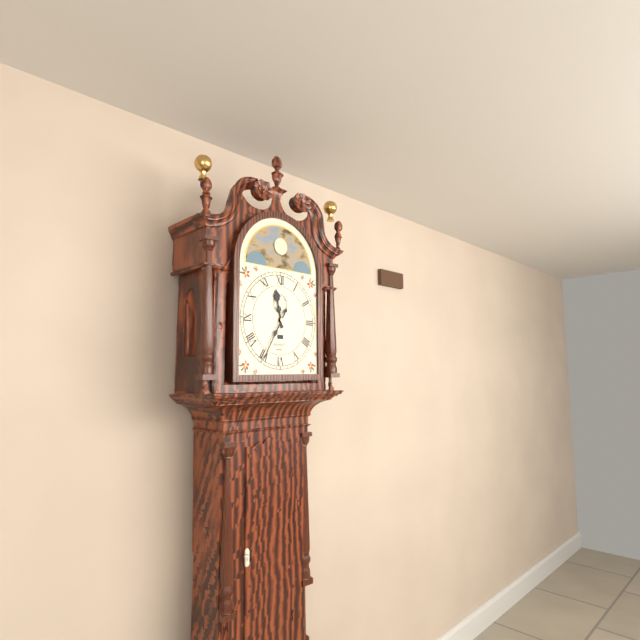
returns 11.35
